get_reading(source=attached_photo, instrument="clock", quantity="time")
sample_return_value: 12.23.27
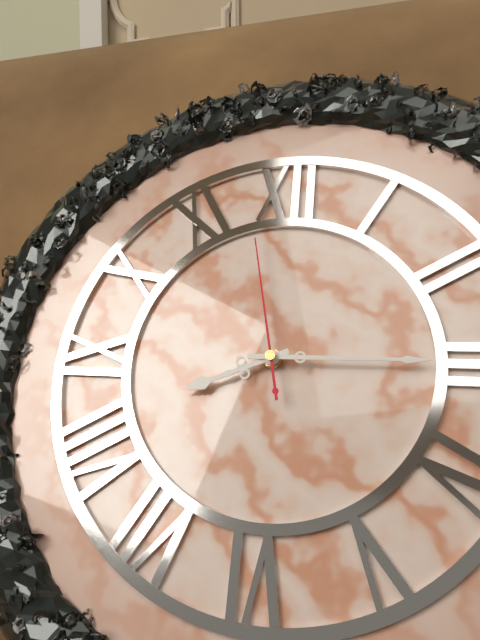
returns 8.15.58
